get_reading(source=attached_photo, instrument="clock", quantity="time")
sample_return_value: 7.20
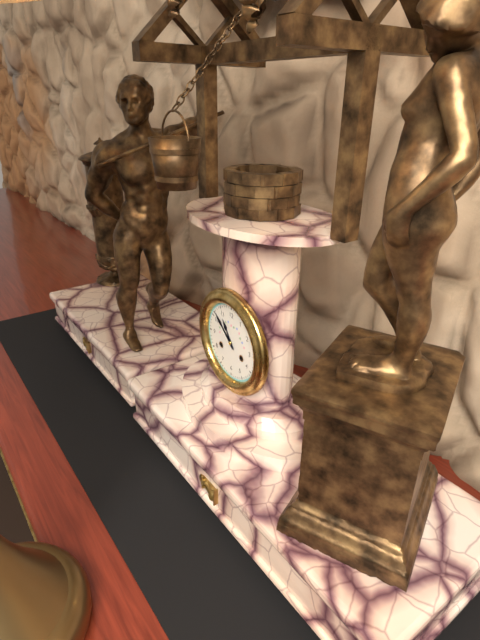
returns 10.52
